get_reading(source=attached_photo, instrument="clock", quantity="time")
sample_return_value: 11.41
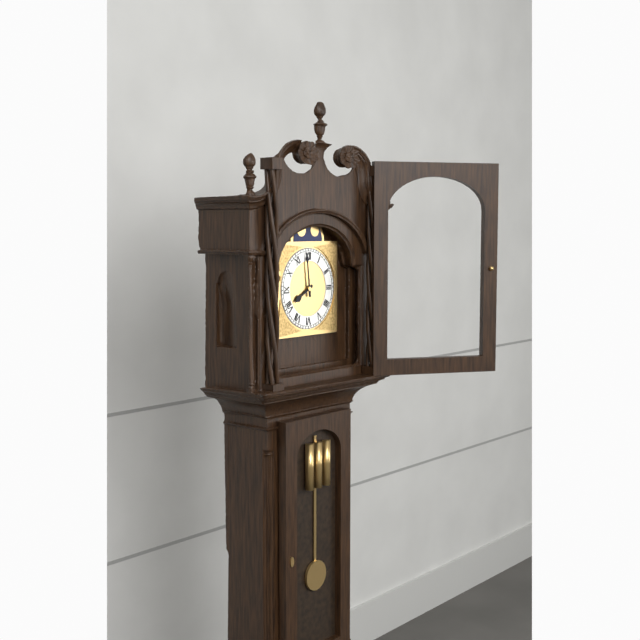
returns 7.59
